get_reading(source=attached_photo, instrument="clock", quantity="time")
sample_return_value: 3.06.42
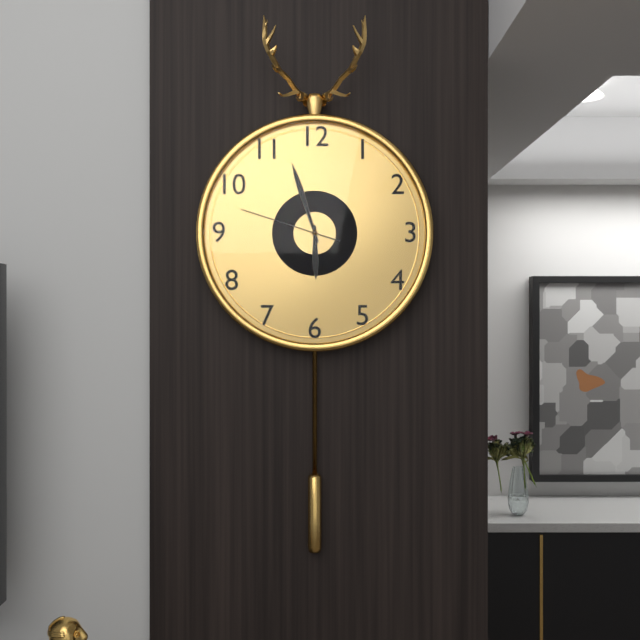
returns 5.57.48
